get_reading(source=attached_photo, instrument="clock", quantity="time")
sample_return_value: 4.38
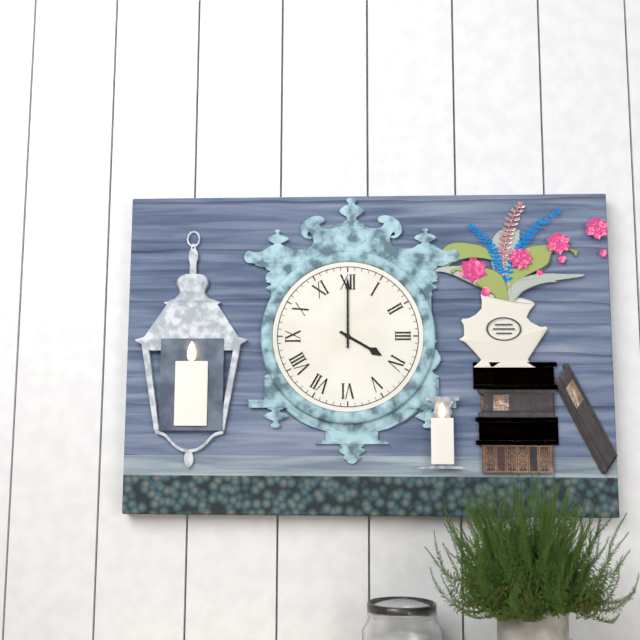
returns 4.00
